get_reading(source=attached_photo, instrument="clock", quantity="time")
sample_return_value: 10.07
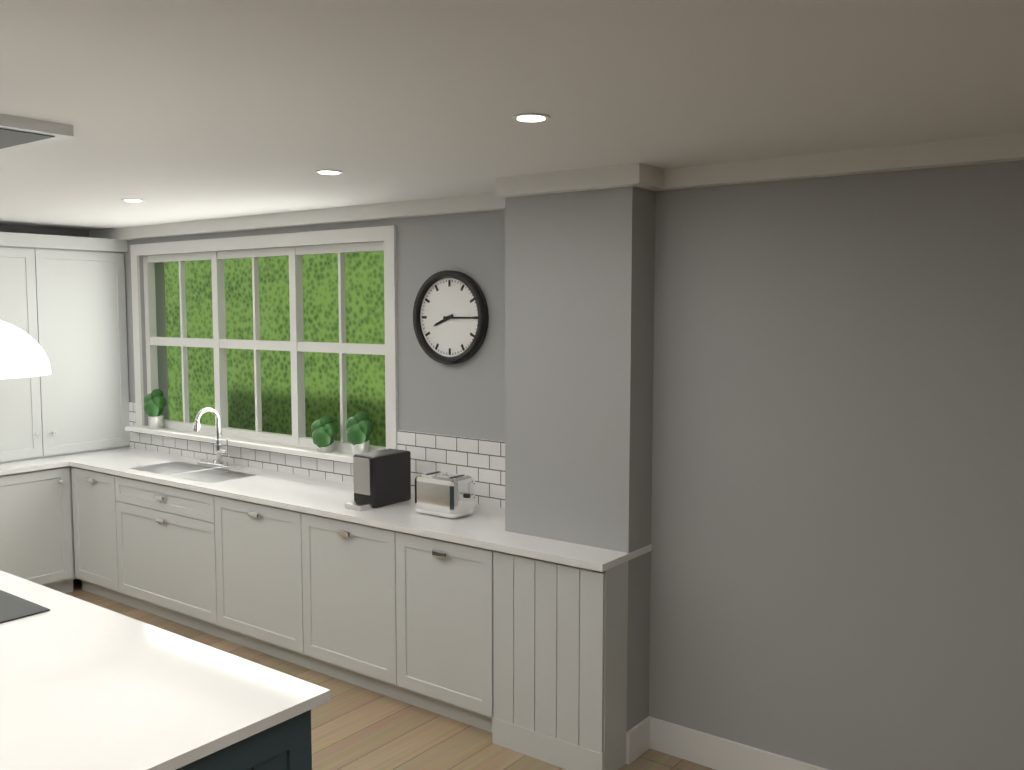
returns 8.15
